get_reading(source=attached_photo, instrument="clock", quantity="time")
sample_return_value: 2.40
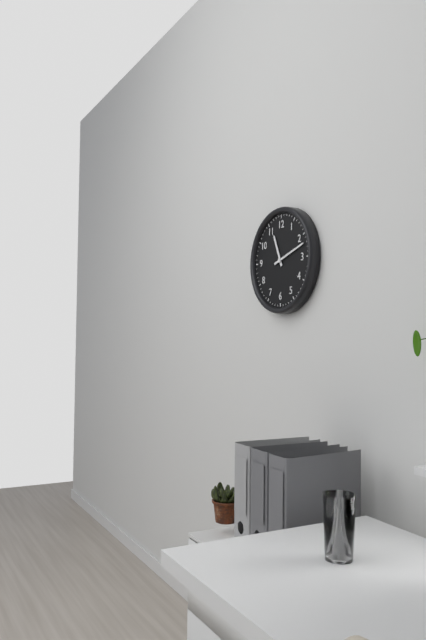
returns 11.12
